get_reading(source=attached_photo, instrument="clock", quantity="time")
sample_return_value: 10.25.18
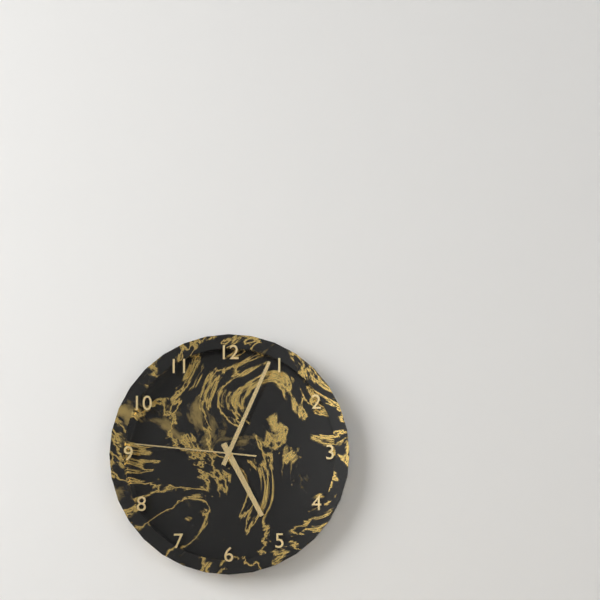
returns 5.04.46
